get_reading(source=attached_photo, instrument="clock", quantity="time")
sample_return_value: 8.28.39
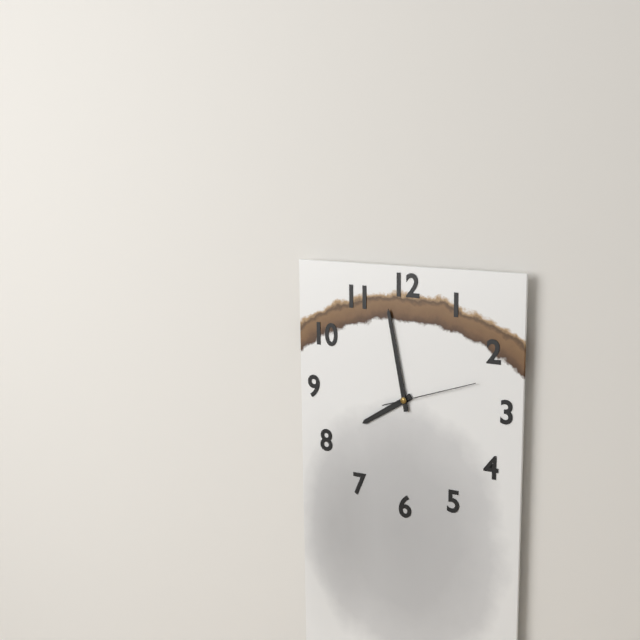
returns 7.58.12
